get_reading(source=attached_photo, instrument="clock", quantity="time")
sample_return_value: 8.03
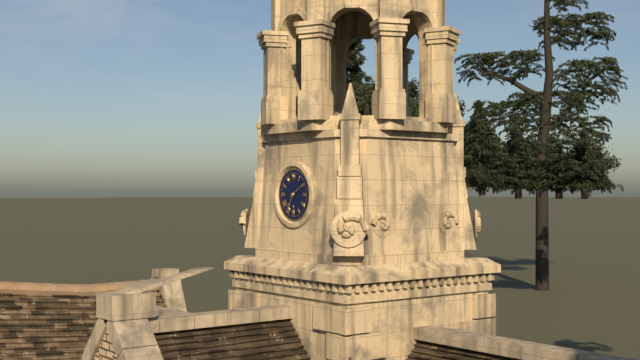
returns 7.10
